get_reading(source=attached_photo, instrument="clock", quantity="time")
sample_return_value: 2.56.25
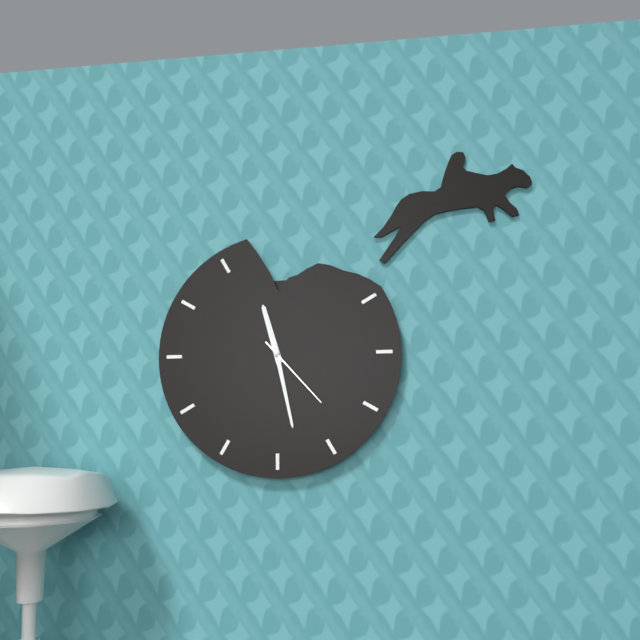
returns 11.28.23
